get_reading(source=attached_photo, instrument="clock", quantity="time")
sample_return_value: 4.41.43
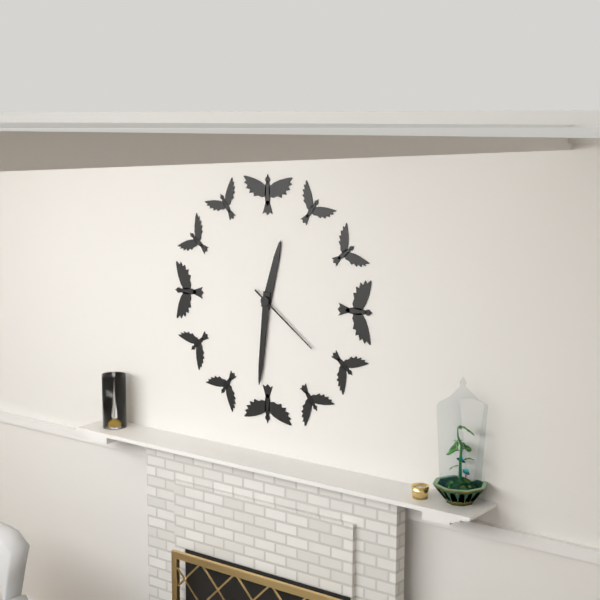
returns 12.31.21
